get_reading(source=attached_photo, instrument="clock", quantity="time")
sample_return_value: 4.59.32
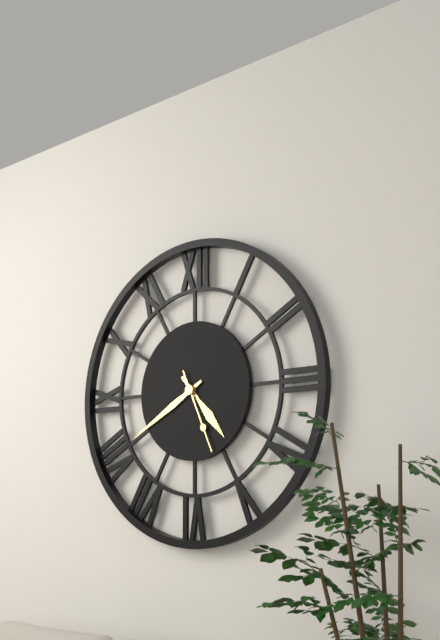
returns 4.40.26
